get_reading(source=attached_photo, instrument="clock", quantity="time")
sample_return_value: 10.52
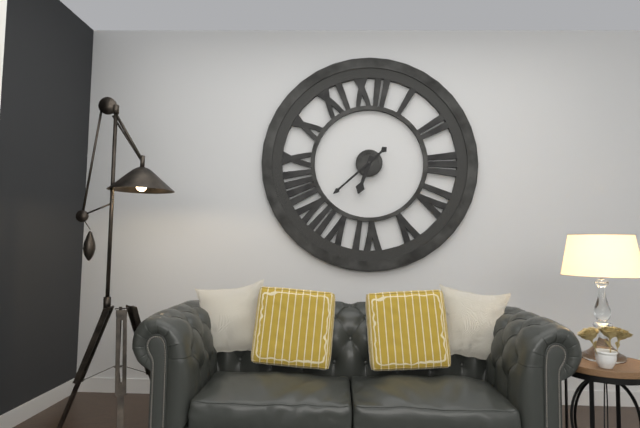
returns 6.38
